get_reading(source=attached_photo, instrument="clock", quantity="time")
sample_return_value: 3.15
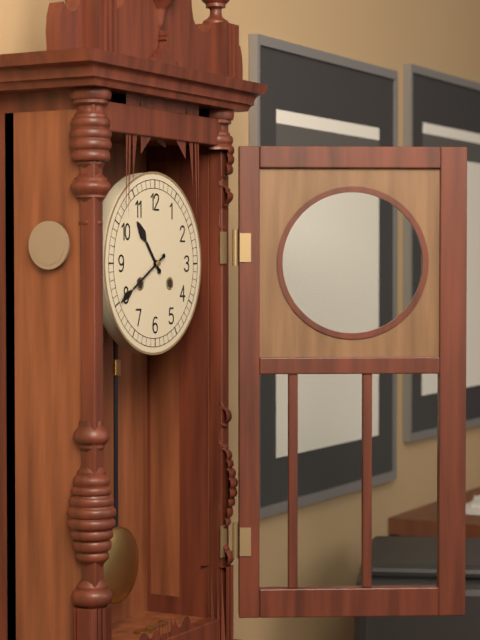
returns 10.40
